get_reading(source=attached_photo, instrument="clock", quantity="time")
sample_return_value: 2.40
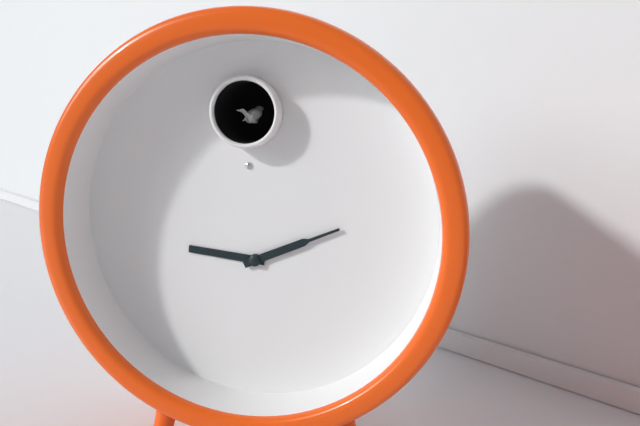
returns 9.11
